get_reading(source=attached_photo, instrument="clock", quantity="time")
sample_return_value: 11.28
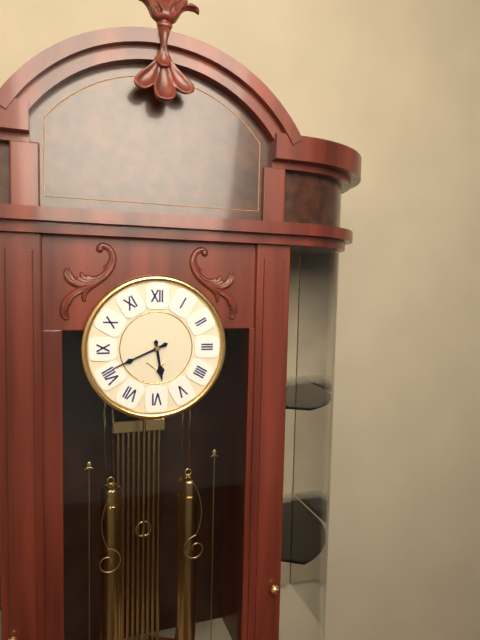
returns 5.41
